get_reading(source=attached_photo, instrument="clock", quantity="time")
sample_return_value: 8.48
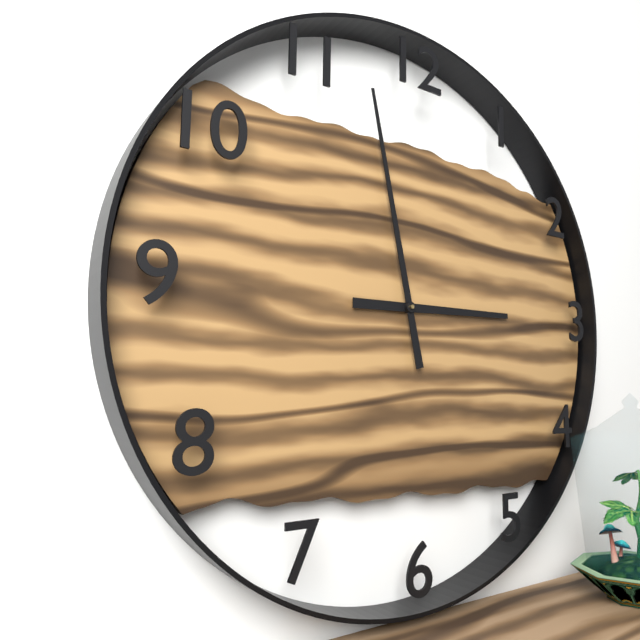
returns 2.58
